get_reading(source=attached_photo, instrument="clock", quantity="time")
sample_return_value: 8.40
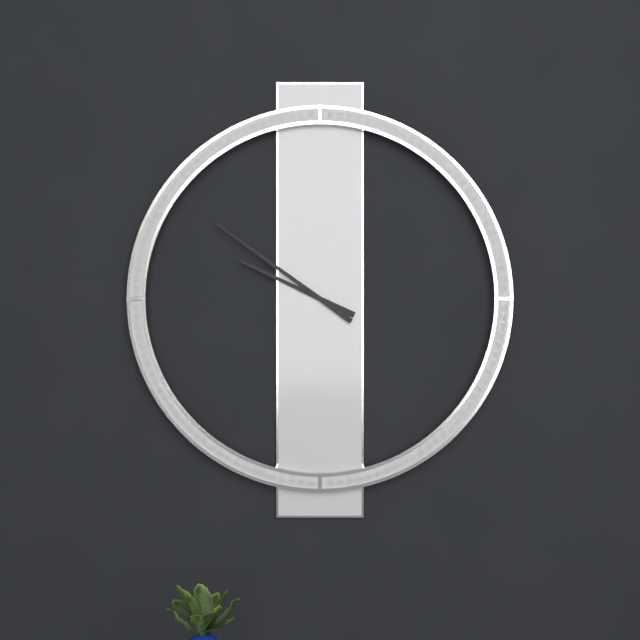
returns 9.51
